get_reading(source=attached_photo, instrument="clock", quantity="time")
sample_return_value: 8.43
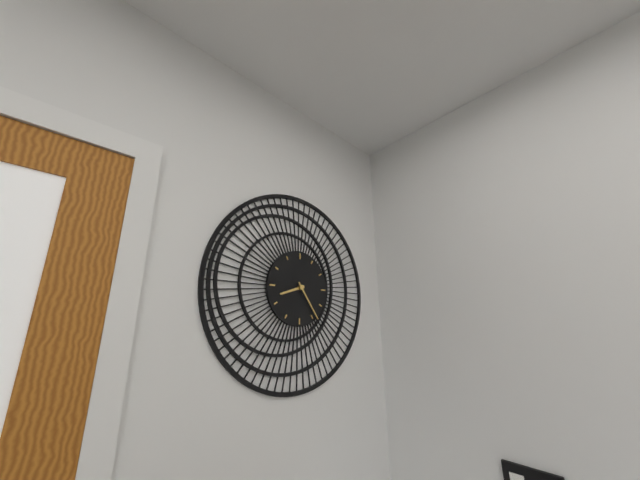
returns 8.24
